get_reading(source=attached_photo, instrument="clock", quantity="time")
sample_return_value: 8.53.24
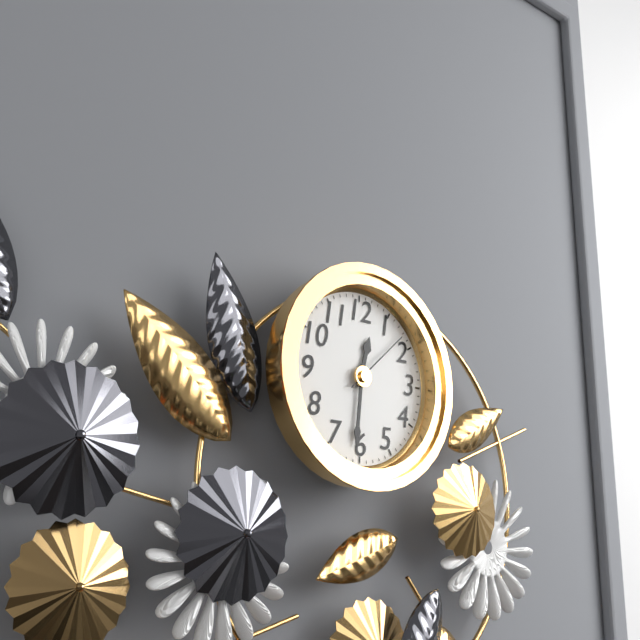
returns 12.31.08
